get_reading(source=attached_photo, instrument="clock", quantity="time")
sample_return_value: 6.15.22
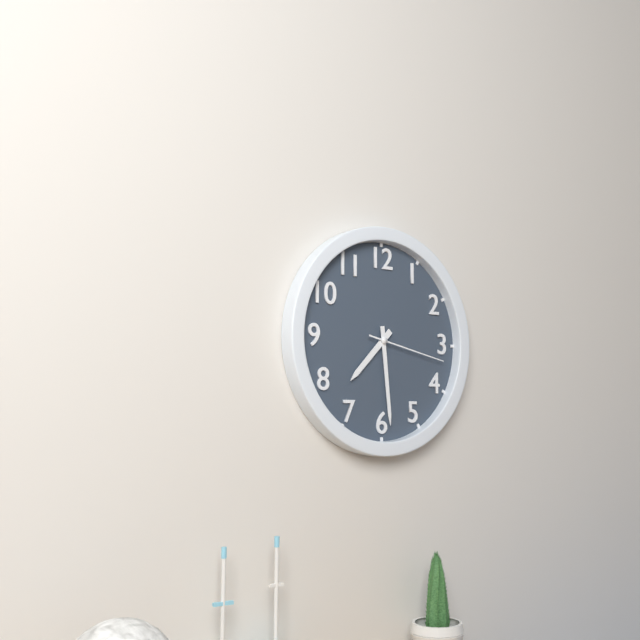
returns 7.29.17
